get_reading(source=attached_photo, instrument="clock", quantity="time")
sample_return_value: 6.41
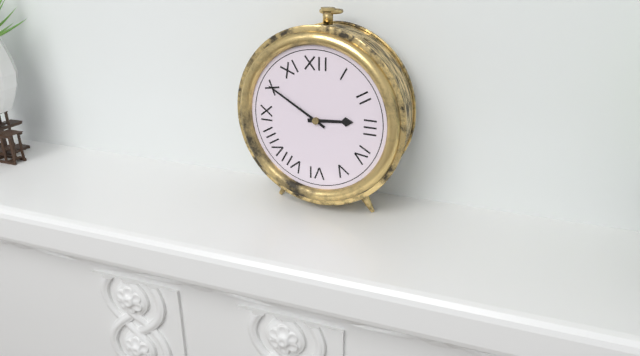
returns 2.50
